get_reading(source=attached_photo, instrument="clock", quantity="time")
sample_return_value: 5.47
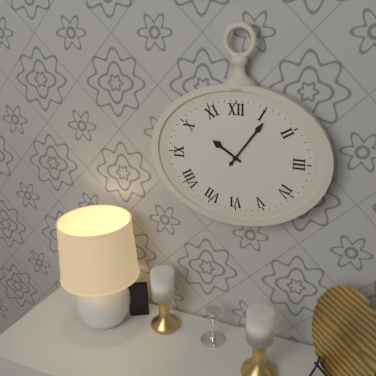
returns 10.06
